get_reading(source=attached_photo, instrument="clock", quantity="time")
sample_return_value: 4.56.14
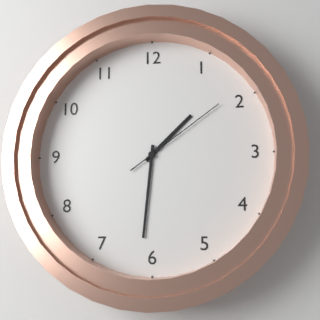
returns 1.31.09
